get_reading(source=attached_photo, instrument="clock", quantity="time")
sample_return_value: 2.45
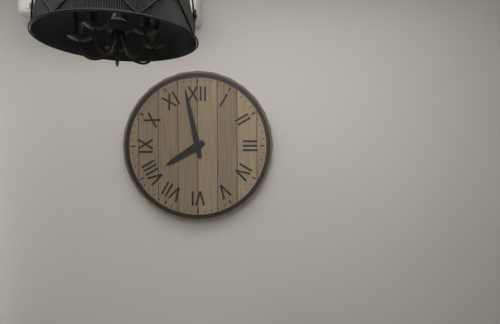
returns 7.58
